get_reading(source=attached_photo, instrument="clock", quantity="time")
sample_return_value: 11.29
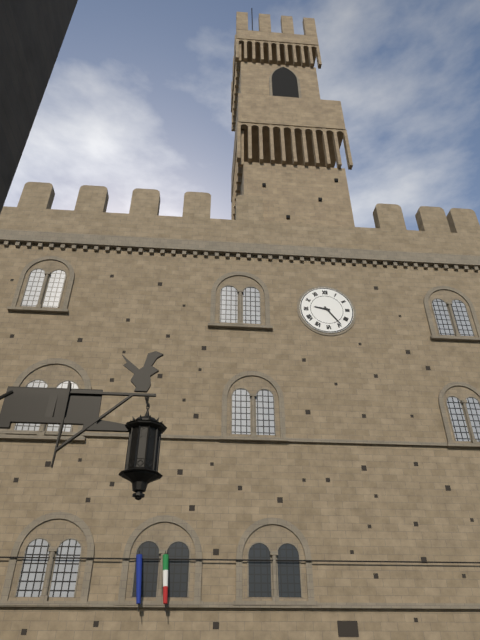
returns 9.24
